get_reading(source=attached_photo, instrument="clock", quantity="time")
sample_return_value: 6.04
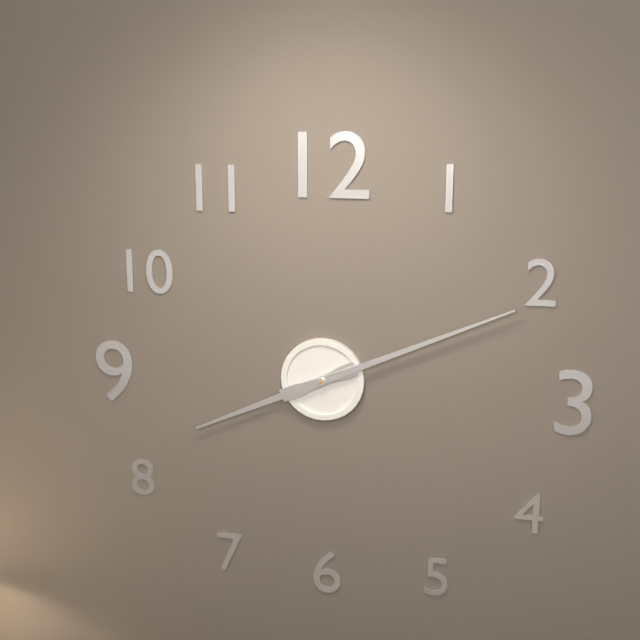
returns 8.11
